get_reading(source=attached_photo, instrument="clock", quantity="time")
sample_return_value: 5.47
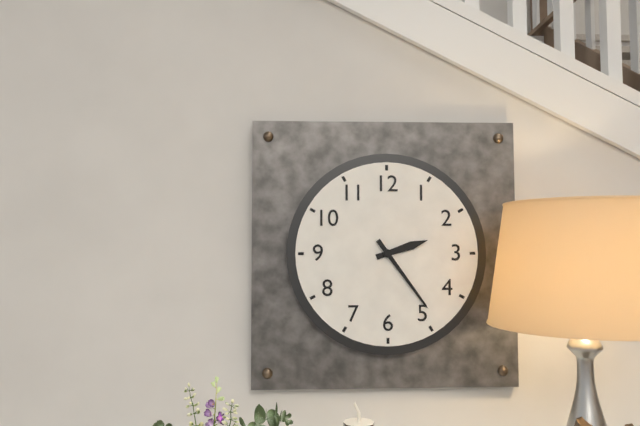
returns 2.24
